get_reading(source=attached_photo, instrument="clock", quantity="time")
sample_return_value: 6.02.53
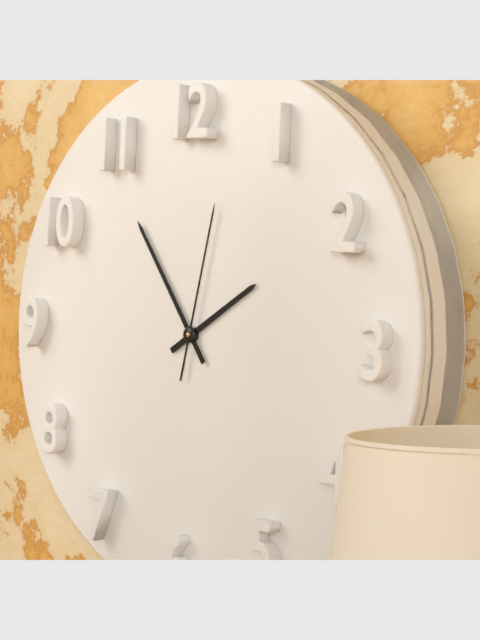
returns 1.54.02
